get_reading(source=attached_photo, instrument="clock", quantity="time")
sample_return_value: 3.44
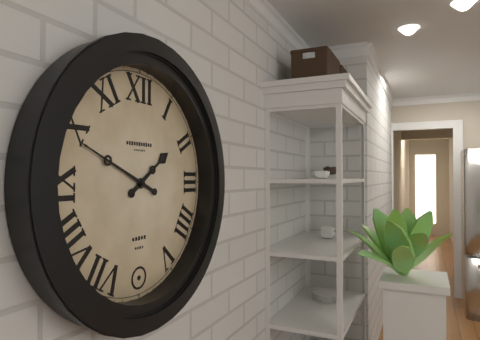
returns 1.49
